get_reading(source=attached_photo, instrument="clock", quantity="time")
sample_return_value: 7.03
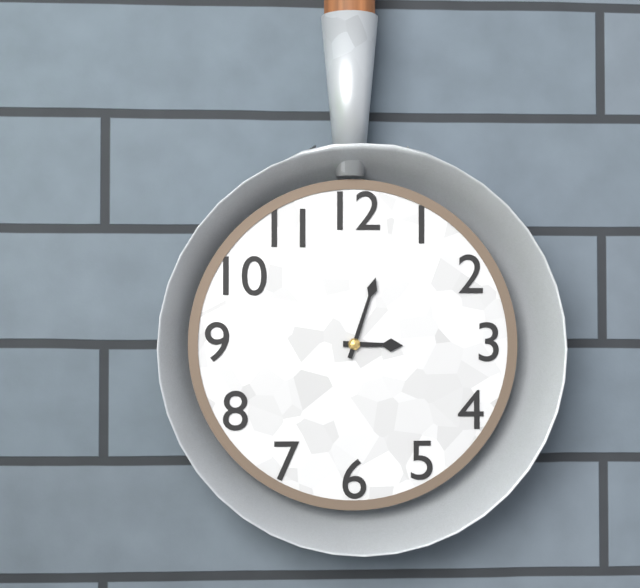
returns 3.03
